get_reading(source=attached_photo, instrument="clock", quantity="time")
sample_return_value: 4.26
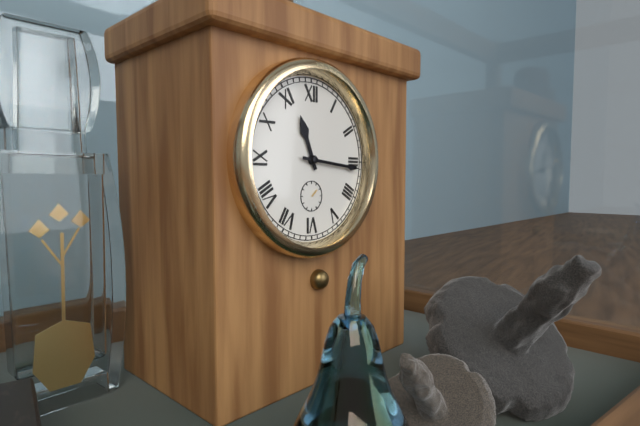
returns 11.16
